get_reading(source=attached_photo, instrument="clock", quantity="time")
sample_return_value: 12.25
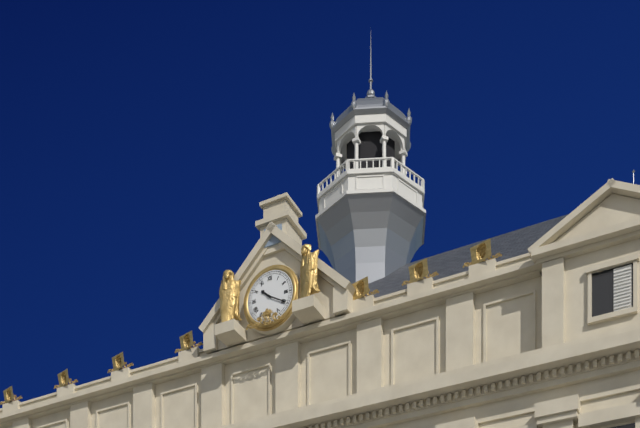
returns 10.20
